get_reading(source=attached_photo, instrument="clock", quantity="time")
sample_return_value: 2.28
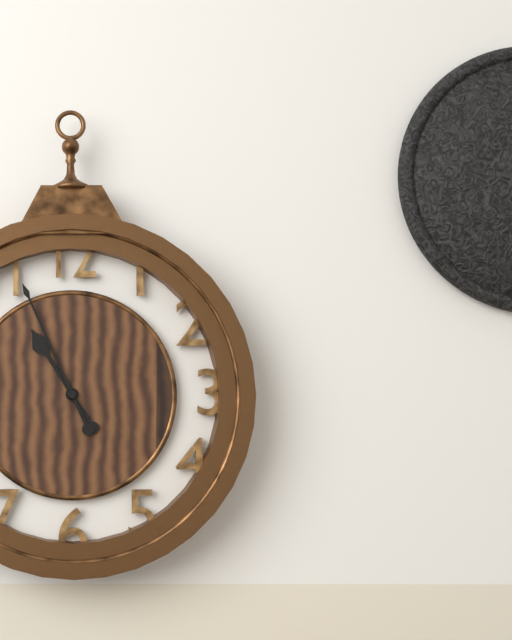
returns 10.56
